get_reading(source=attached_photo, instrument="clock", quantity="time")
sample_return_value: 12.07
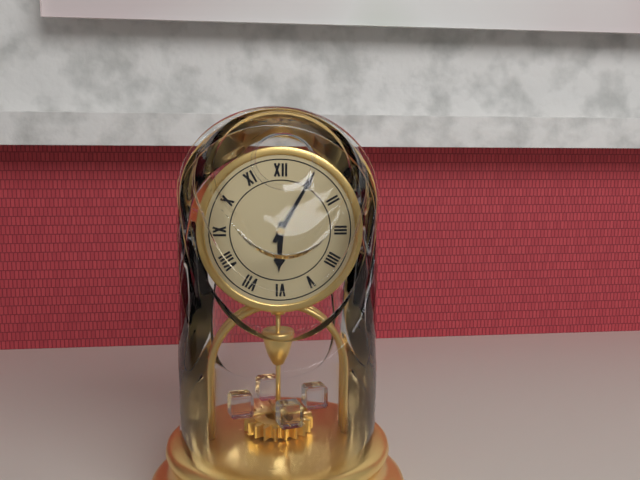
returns 6.05
